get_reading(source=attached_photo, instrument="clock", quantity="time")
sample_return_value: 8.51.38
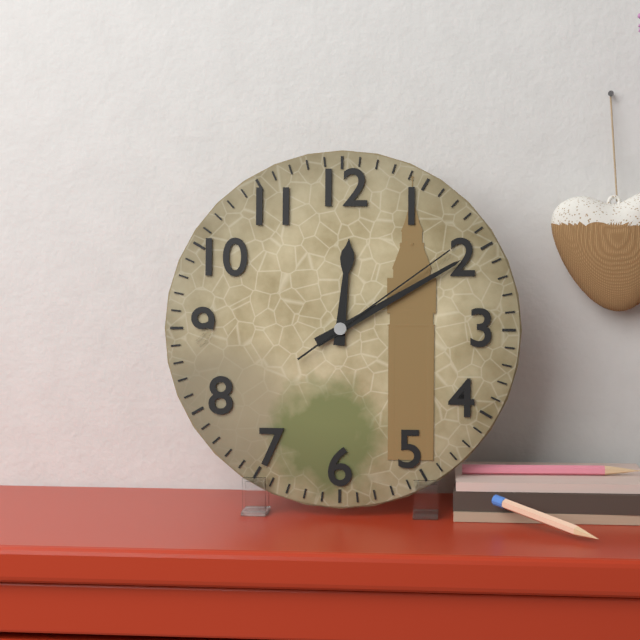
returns 12.10.09
